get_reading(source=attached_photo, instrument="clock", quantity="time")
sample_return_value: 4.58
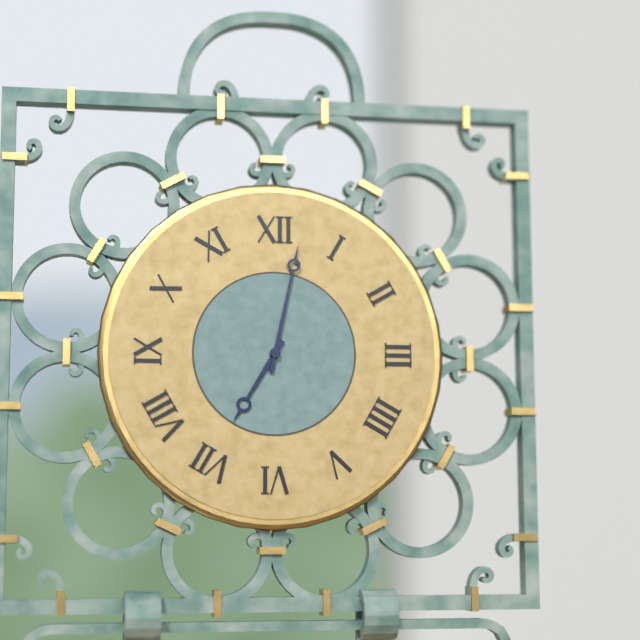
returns 7.02
